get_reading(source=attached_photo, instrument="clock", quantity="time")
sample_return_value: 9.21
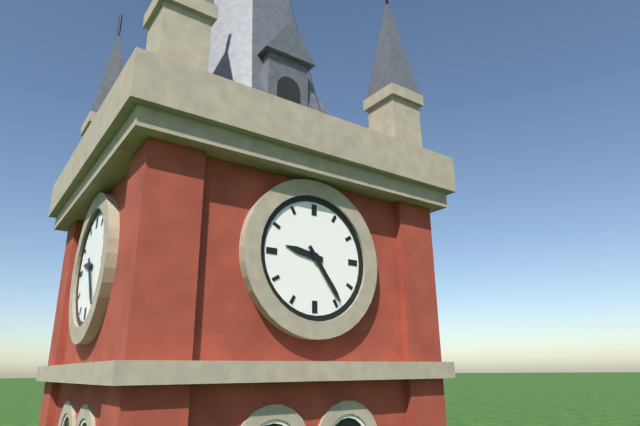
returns 9.24
